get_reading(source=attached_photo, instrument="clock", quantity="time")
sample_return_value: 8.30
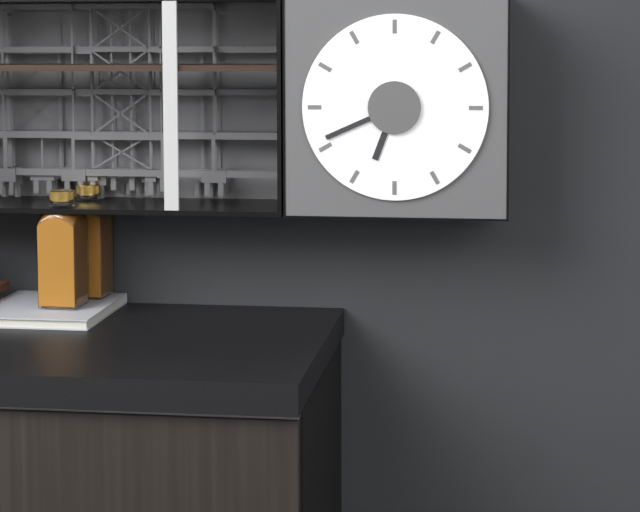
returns 6.41
